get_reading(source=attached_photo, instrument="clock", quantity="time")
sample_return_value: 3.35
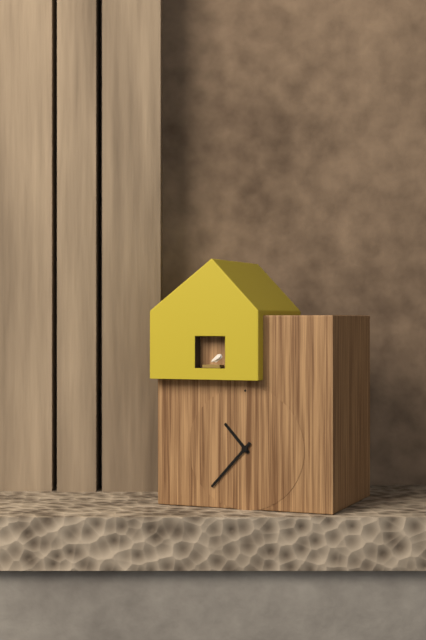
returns 10.37
